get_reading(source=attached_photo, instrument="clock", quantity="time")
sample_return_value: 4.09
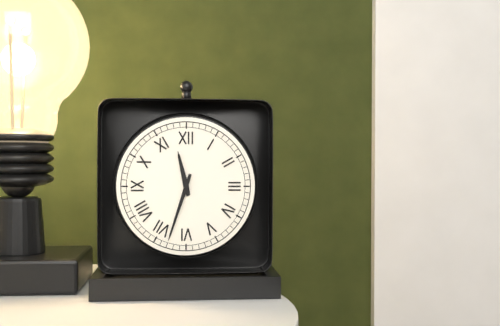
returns 11.33
